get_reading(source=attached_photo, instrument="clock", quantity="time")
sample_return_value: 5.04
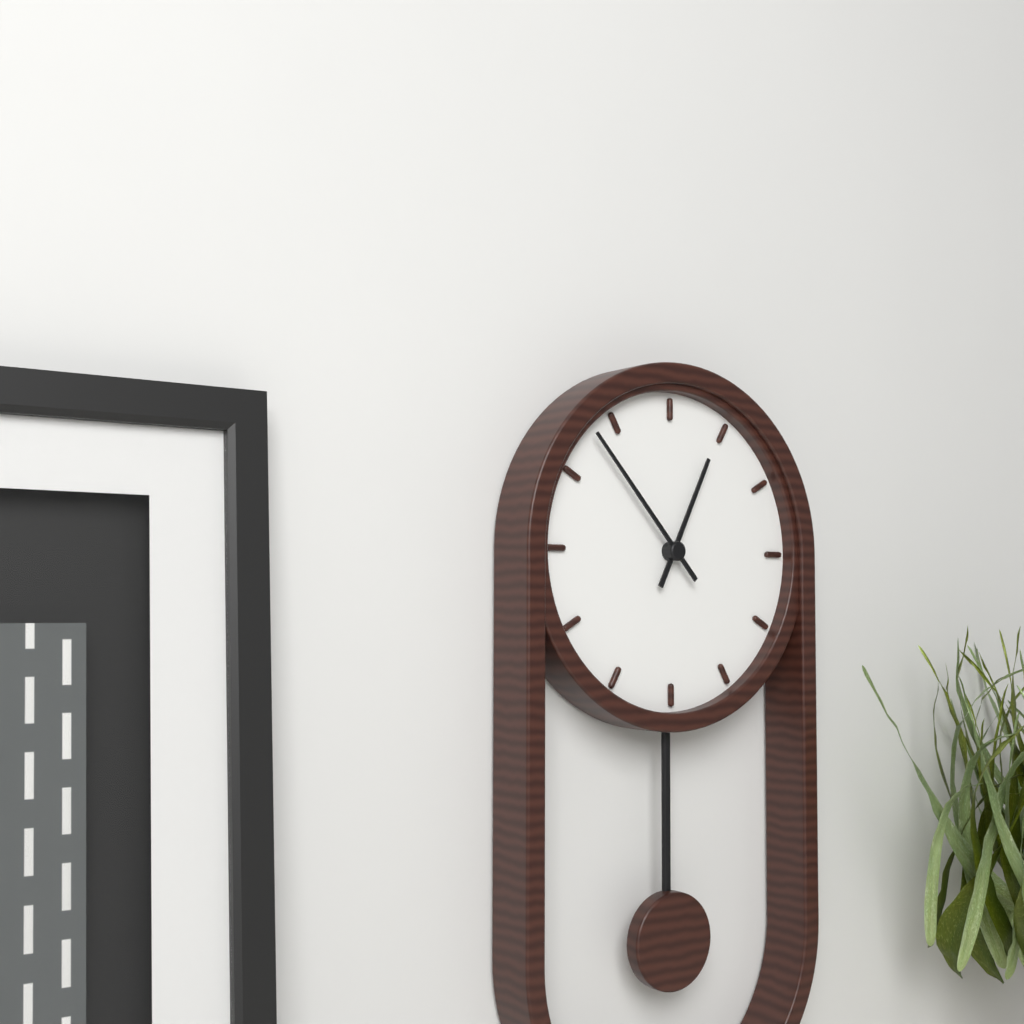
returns 12.53
